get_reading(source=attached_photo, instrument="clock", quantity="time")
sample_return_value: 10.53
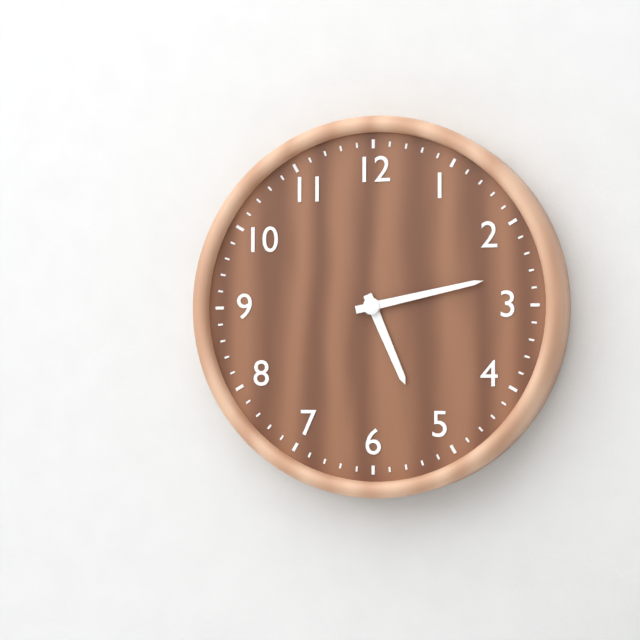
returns 5.13
